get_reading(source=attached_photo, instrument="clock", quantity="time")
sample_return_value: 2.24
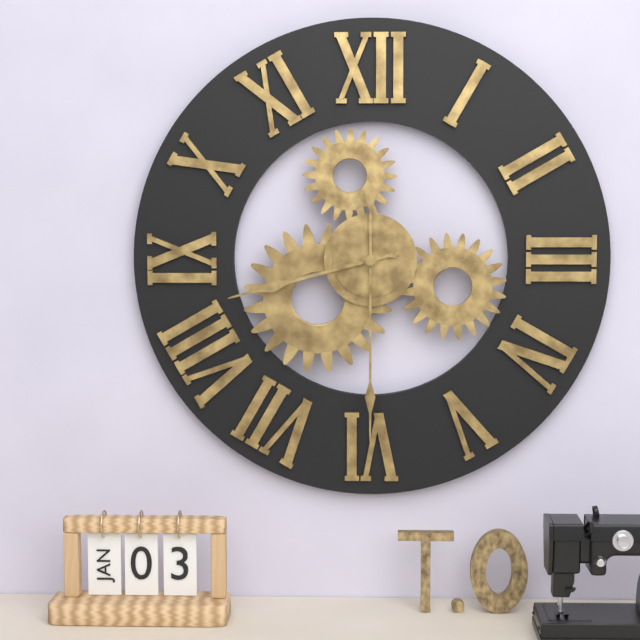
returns 8.30
